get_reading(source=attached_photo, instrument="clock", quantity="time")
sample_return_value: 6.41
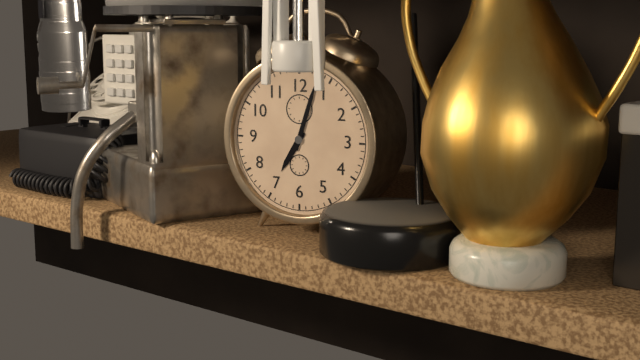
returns 7.03
